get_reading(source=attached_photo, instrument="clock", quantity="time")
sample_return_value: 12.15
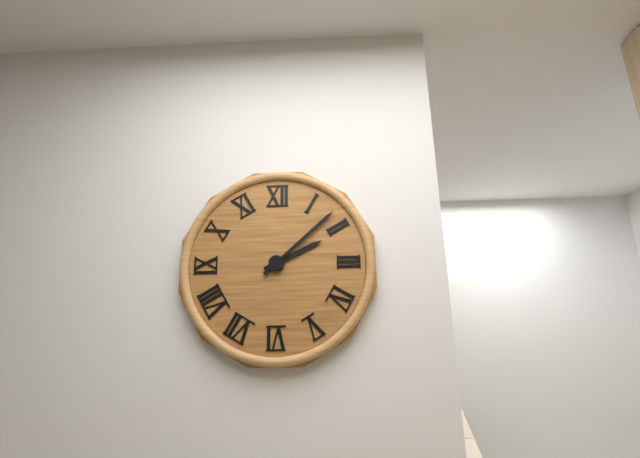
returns 2.08
